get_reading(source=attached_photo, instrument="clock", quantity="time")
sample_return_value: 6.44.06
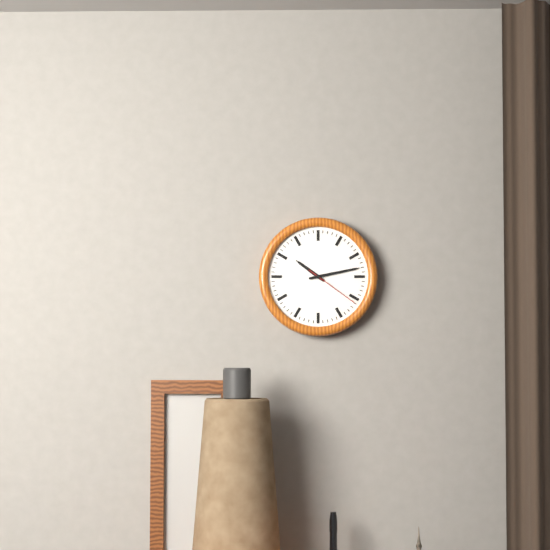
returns 10.13.21
